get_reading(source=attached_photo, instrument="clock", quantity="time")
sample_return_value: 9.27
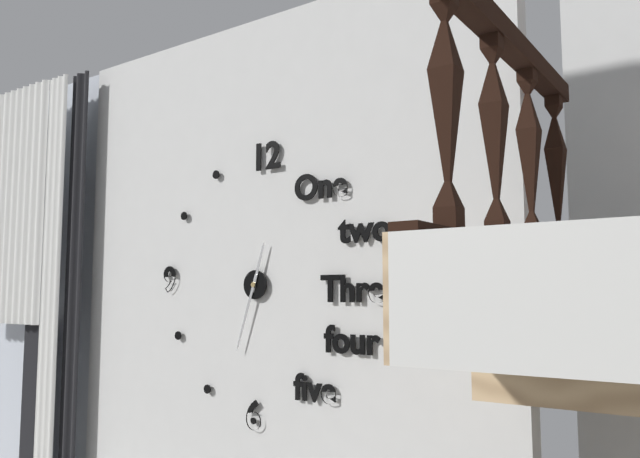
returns 12.33
